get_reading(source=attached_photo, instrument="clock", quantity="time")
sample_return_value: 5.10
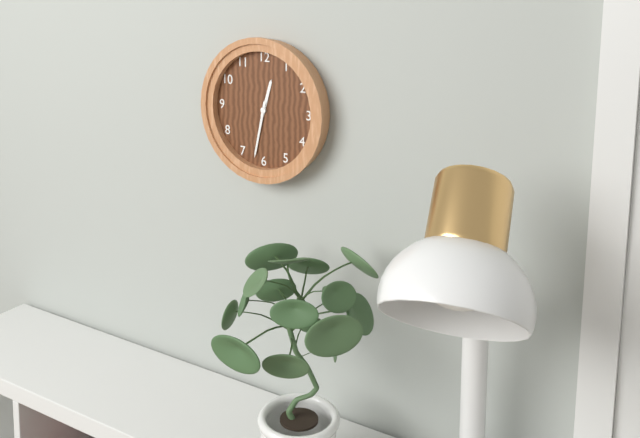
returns 12.32
